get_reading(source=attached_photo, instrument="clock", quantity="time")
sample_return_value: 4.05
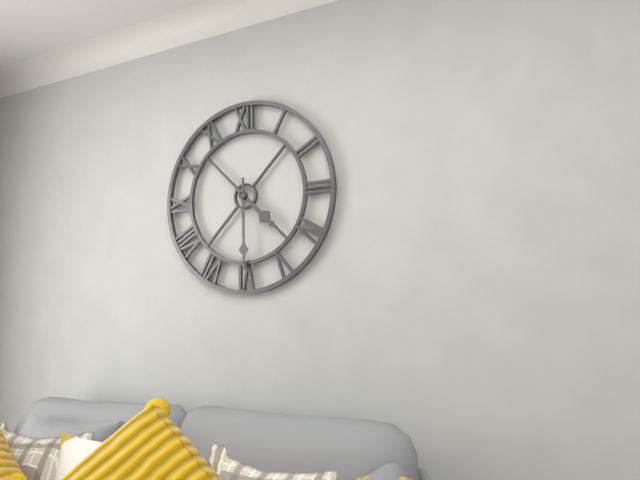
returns 4.30
